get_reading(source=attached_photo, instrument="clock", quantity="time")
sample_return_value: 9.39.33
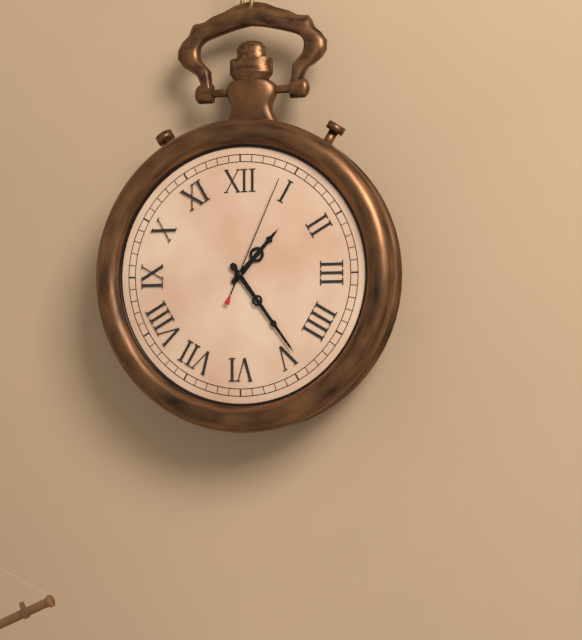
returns 1.24.04
